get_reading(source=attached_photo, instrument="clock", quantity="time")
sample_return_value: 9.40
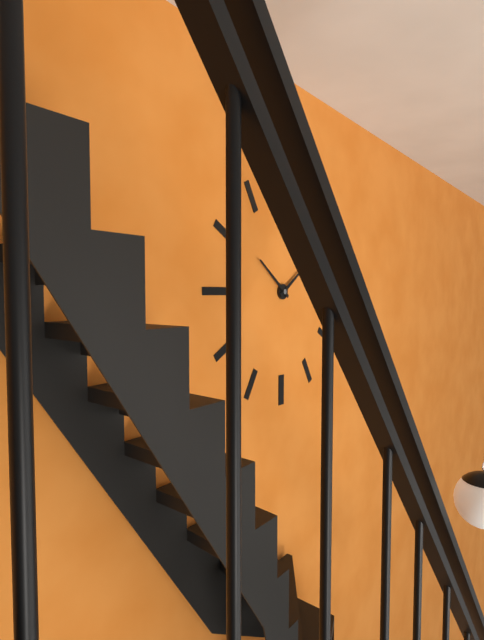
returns 1.51
